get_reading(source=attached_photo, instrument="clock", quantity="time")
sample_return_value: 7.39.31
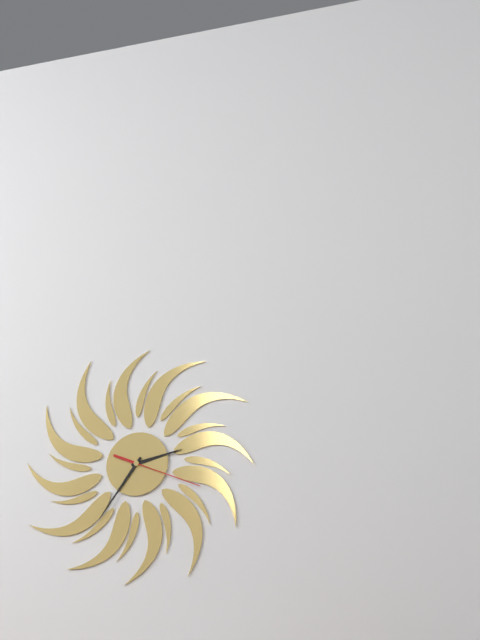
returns 2.36.19
